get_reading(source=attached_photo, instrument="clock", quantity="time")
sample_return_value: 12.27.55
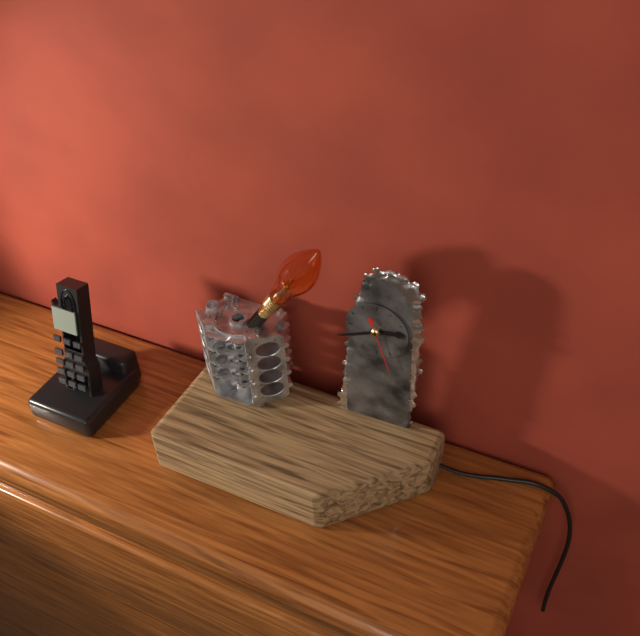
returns 2.41.27
